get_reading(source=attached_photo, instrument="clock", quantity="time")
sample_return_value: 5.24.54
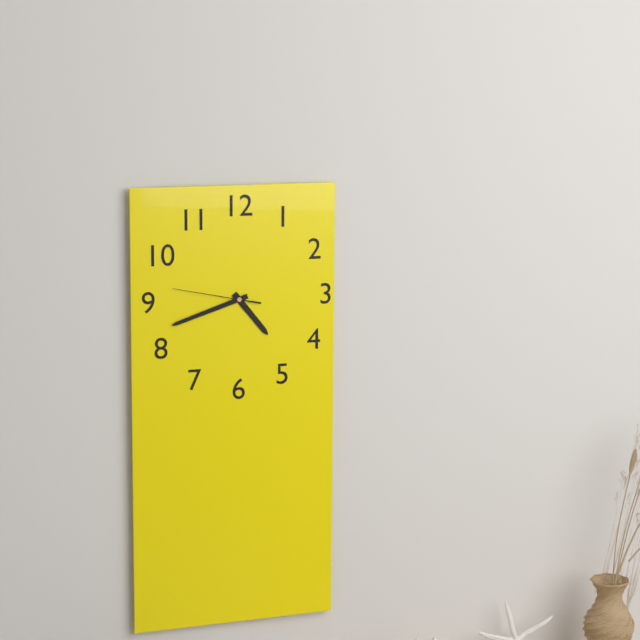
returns 4.42.47
